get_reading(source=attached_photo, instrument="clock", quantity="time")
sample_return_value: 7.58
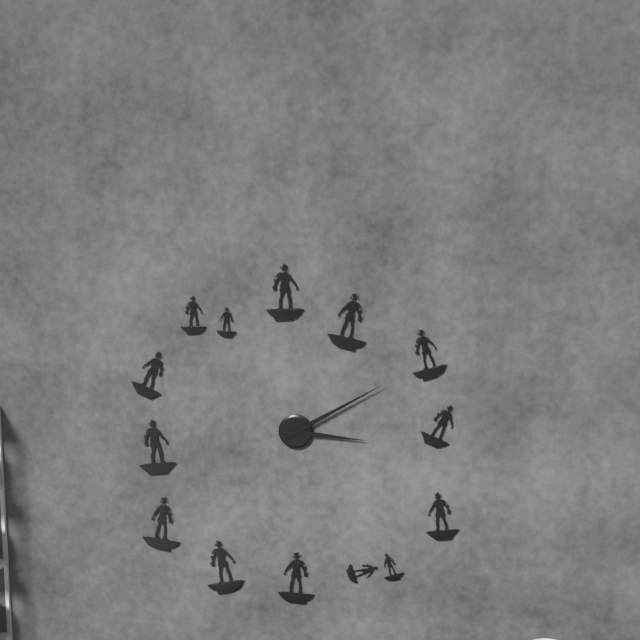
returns 3.10
